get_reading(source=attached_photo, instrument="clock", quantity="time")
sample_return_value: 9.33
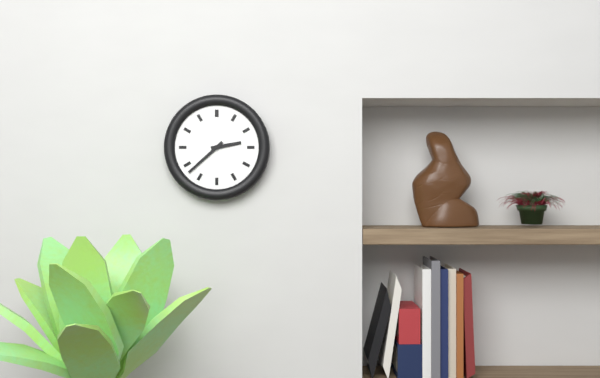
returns 2.38
